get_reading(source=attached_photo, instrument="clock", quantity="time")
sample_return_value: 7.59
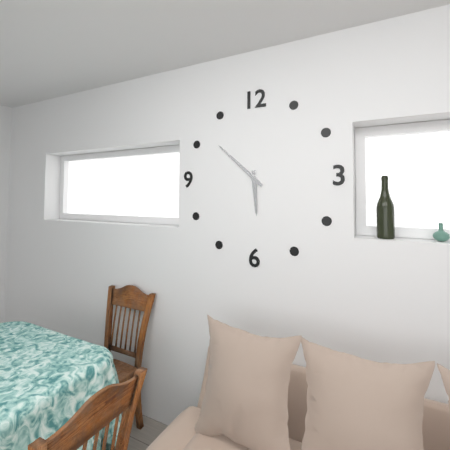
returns 5.52
